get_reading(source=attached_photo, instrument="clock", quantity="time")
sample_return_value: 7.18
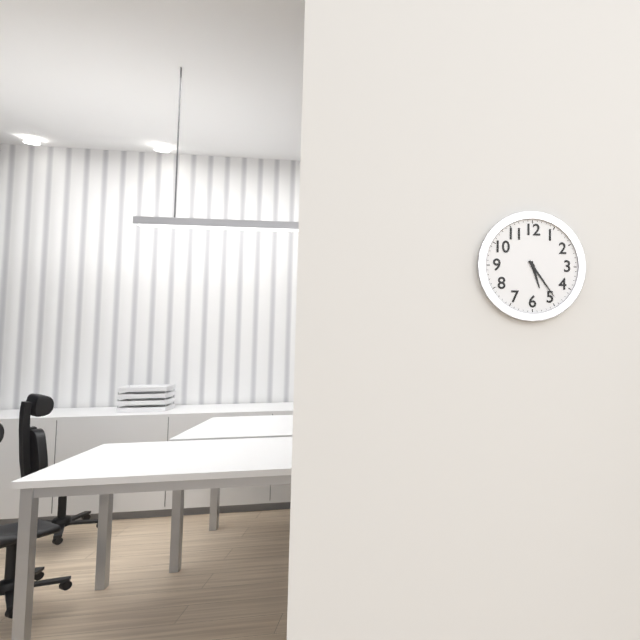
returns 5.24
